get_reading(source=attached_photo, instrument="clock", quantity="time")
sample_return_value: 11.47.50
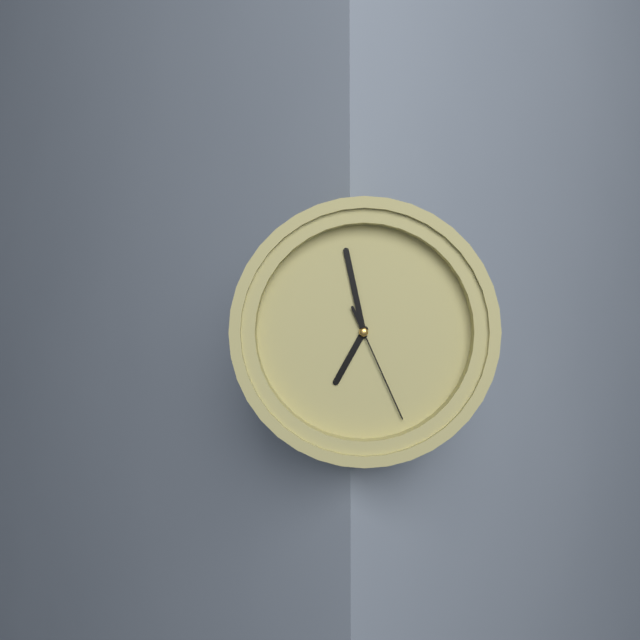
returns 6.58.26
